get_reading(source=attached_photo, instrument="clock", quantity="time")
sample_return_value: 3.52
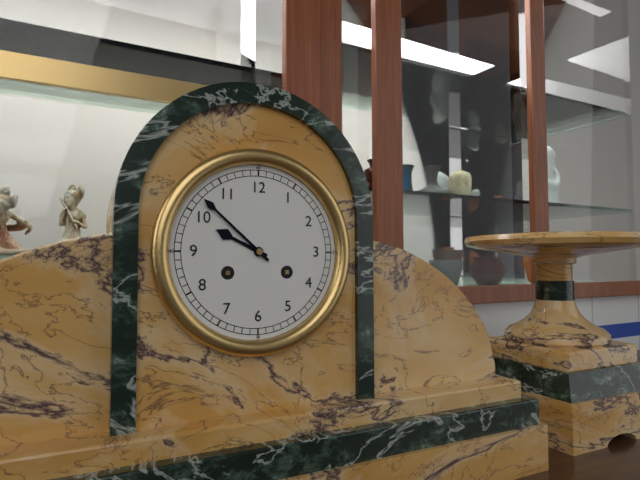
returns 9.52
